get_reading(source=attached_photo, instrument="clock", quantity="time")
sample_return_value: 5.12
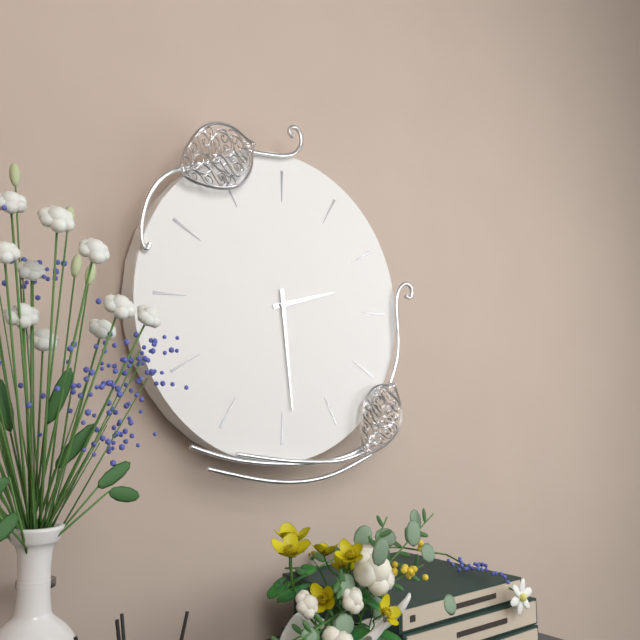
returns 2.29
